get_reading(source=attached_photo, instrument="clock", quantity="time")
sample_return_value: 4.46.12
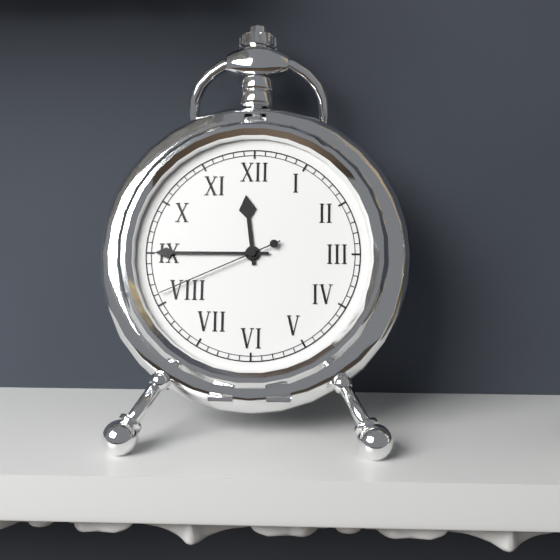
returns 11.45.41
